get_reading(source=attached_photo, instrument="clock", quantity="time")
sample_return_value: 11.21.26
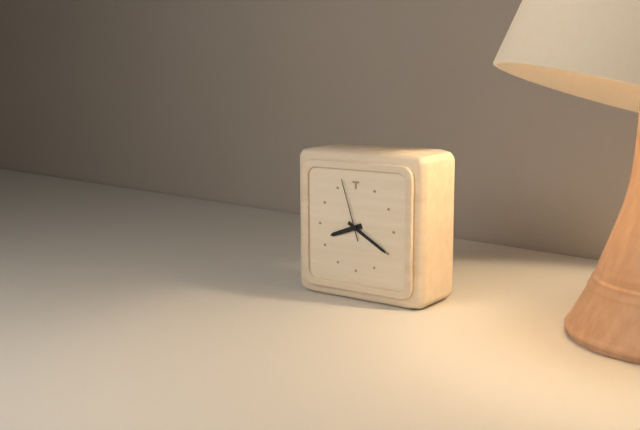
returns 8.20.57
